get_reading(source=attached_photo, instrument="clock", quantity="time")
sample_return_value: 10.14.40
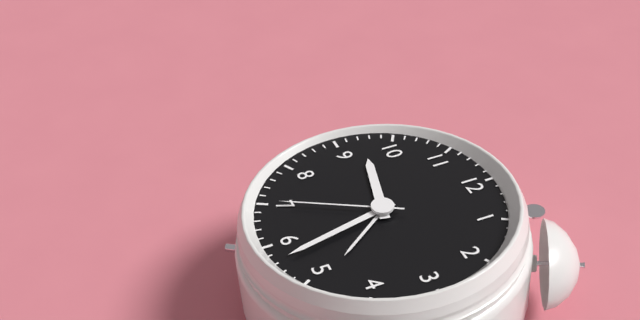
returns 9.28.35
